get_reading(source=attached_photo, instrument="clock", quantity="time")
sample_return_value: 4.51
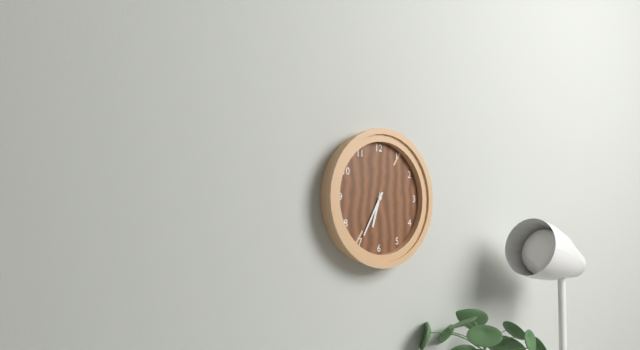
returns 6.35
